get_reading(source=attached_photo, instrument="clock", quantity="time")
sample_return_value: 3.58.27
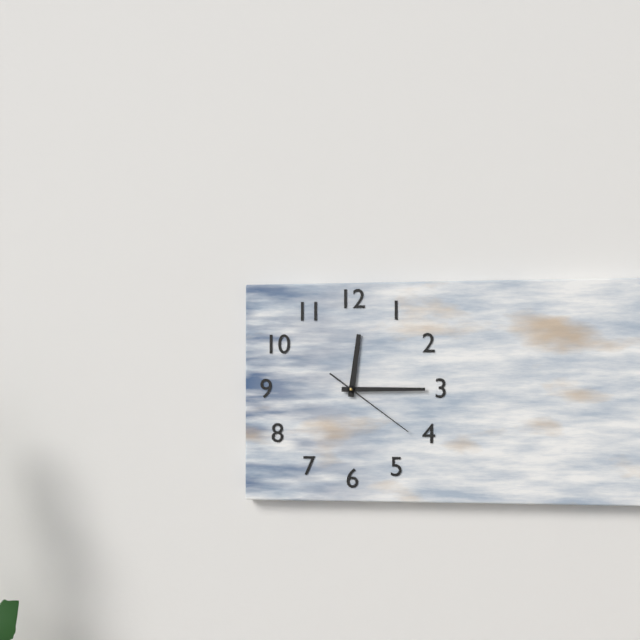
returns 12.15.21
